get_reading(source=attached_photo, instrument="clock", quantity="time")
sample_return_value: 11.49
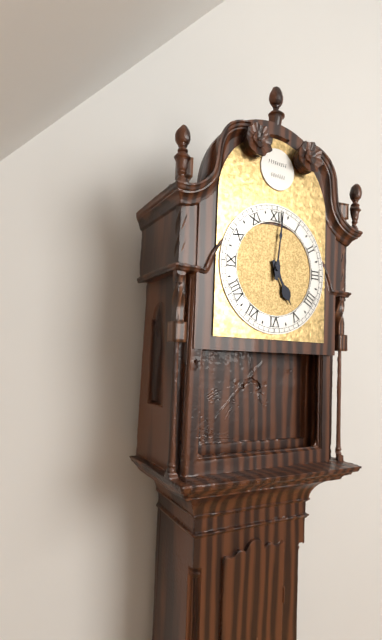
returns 5.01
